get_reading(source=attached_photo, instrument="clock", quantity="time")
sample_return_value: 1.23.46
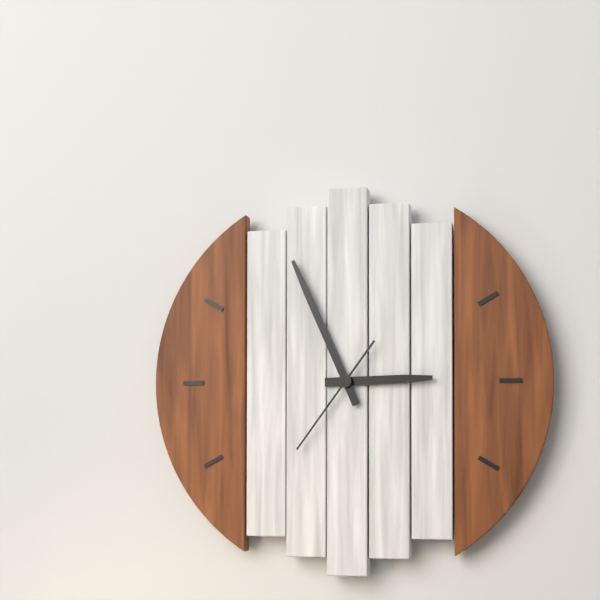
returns 2.56.36
